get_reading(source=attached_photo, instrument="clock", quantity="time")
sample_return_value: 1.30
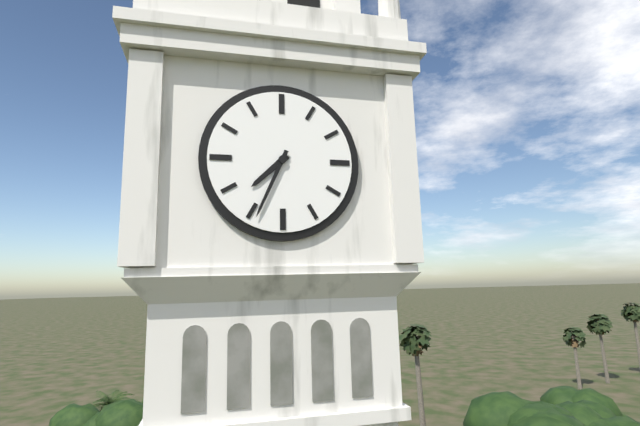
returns 7.34
